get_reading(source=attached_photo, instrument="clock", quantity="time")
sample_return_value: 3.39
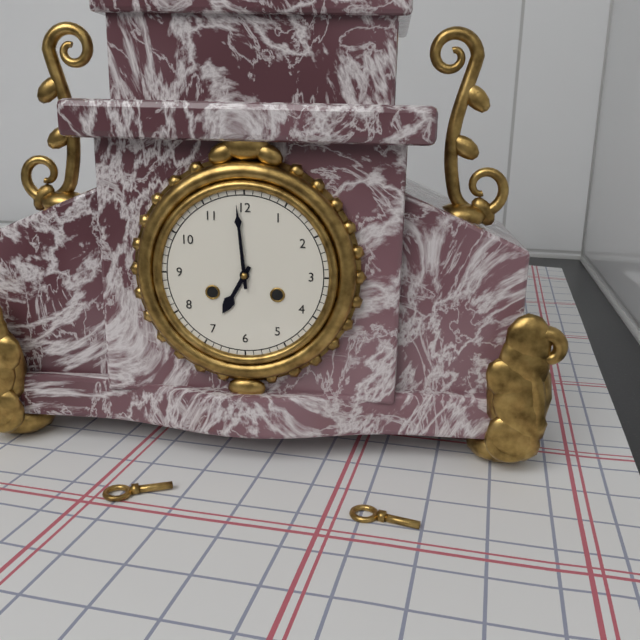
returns 6.59
